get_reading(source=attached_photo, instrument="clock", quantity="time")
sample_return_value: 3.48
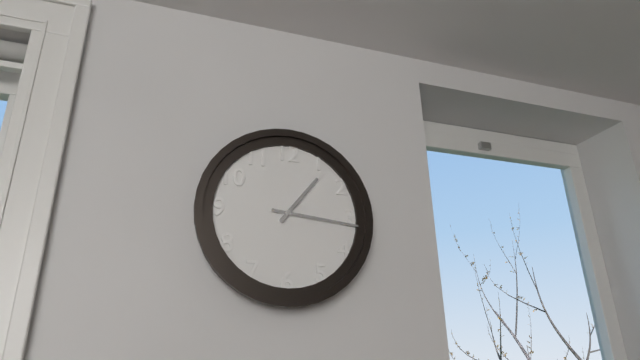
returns 1.16
